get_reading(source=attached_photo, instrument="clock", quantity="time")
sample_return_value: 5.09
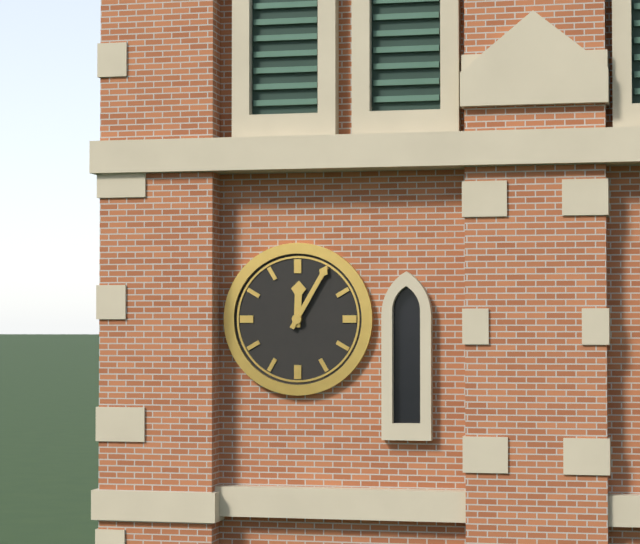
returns 12.05
